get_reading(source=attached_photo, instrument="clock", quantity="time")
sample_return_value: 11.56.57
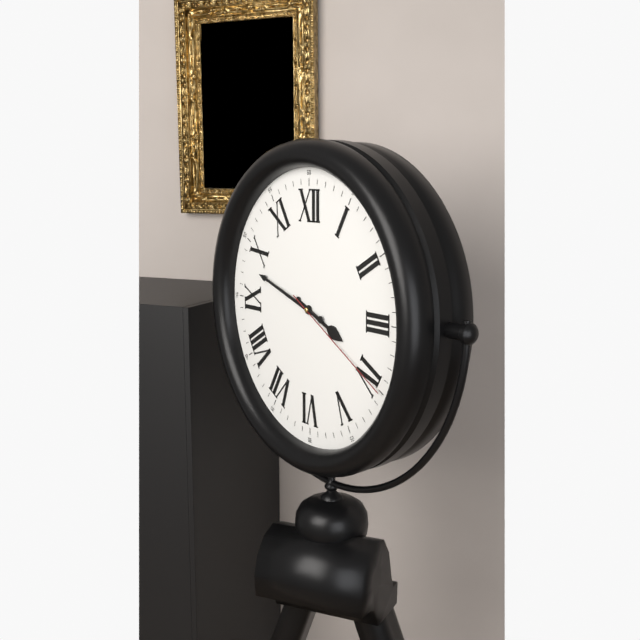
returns 3.48.20
